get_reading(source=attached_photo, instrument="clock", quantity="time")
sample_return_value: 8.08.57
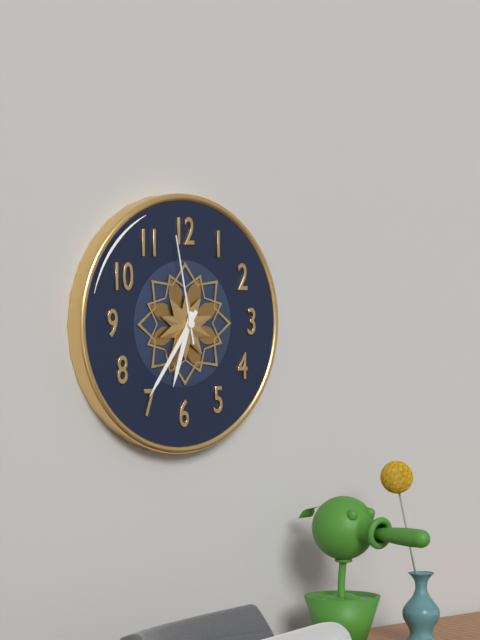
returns 6.36.58
